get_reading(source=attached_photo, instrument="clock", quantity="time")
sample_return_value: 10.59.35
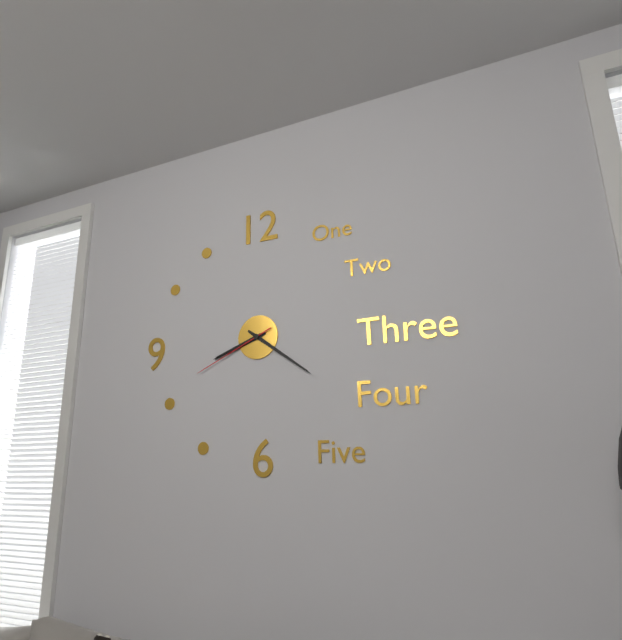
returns 8.21.41
